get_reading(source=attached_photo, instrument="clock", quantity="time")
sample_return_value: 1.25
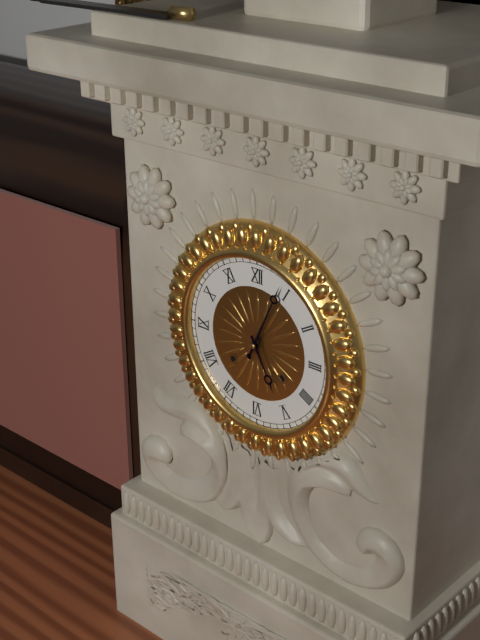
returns 5.04
